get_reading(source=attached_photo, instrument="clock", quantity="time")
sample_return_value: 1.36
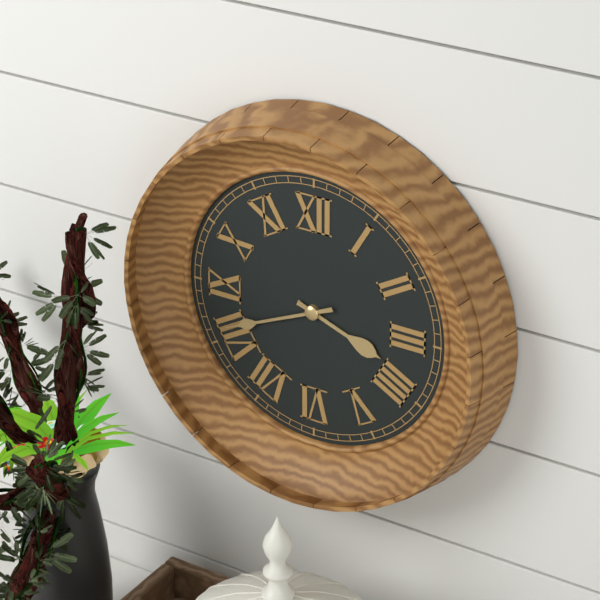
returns 3.41
